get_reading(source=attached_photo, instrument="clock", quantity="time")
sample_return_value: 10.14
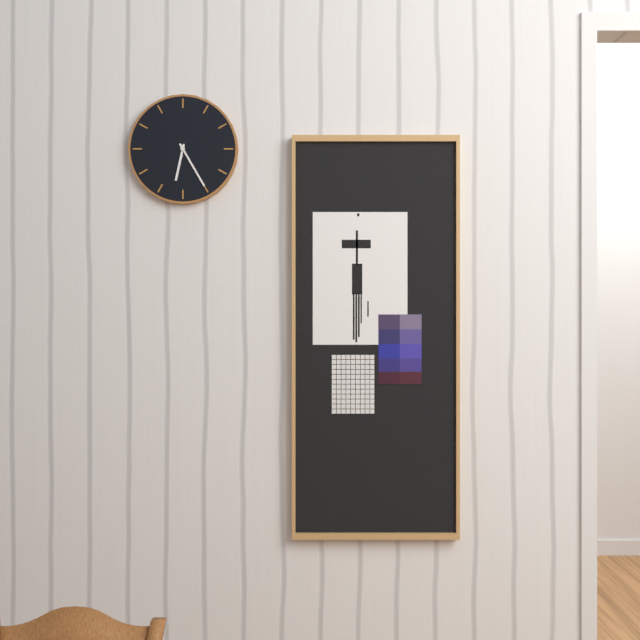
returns 6.25
